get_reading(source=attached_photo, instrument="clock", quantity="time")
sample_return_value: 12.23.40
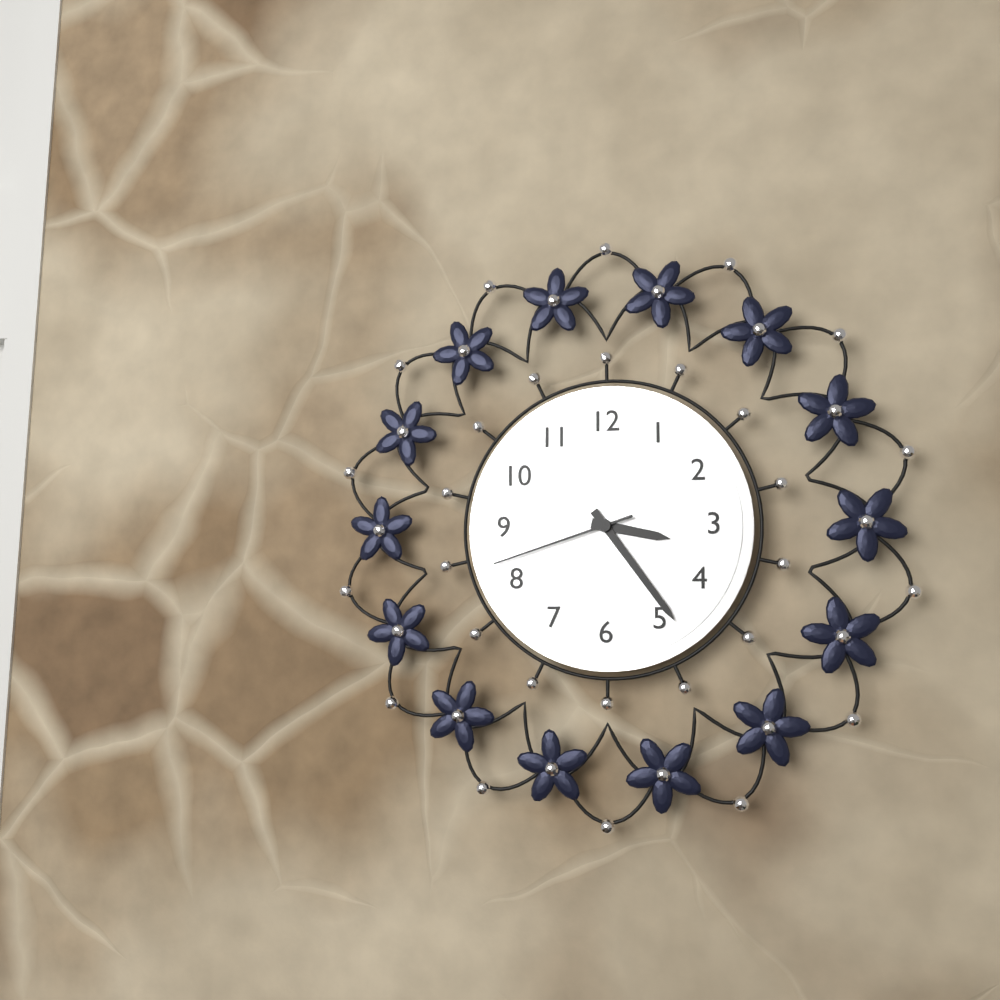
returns 3.24.42
